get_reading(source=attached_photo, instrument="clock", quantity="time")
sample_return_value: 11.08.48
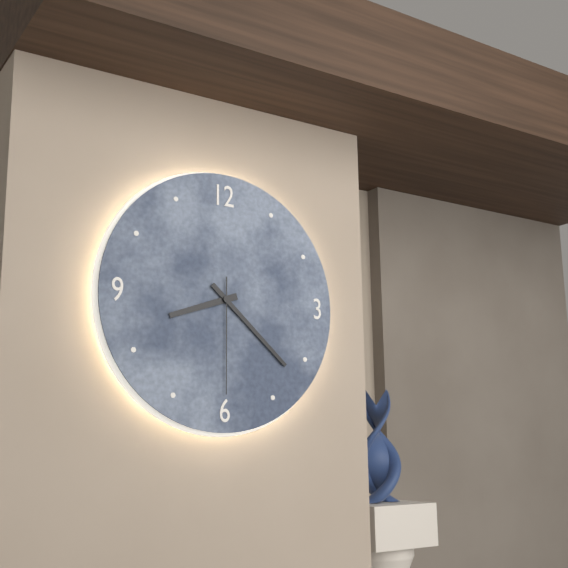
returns 8.22.30
